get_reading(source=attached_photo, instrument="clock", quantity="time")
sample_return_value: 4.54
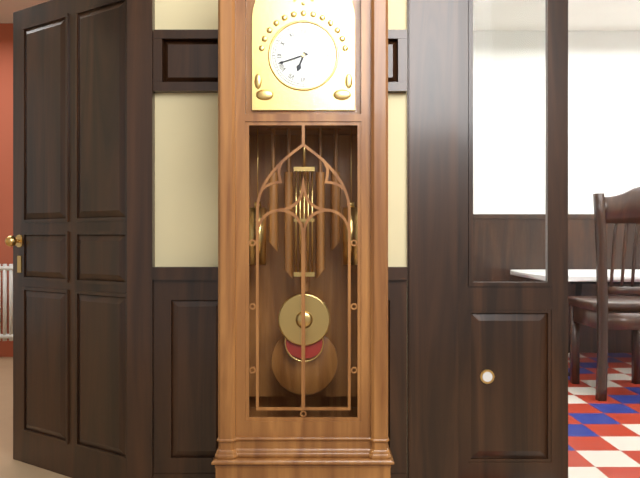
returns 6.42
